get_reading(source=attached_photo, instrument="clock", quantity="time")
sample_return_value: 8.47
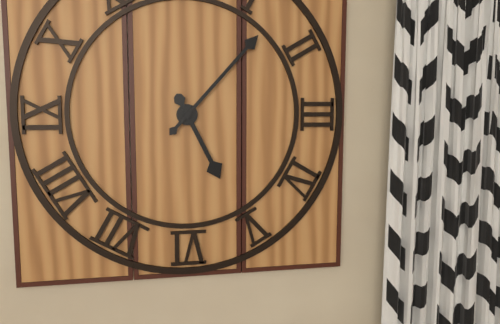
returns 5.07
